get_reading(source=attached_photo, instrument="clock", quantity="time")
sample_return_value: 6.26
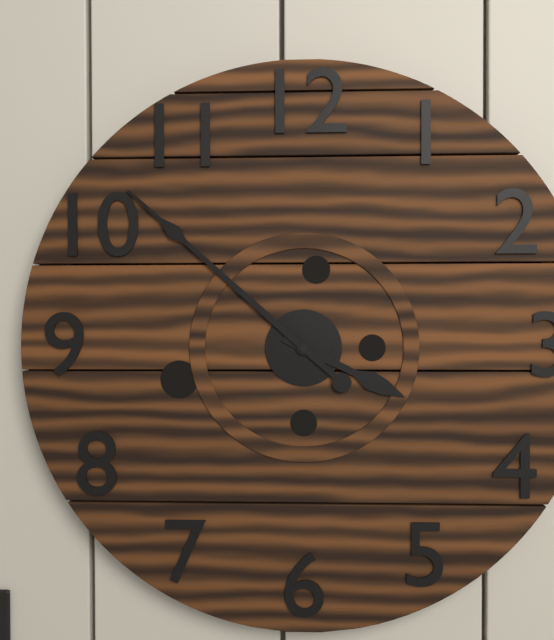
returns 3.52
